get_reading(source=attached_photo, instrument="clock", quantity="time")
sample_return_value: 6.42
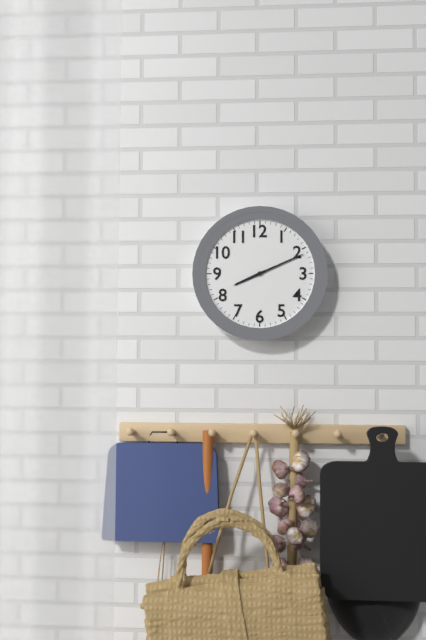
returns 8.11
